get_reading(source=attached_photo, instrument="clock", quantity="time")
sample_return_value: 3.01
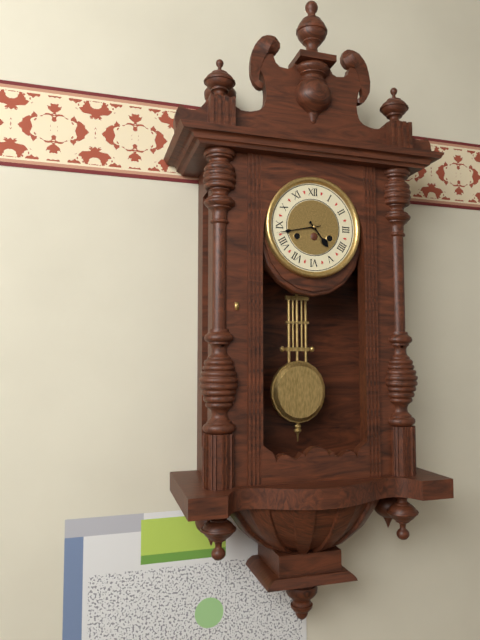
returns 4.43
